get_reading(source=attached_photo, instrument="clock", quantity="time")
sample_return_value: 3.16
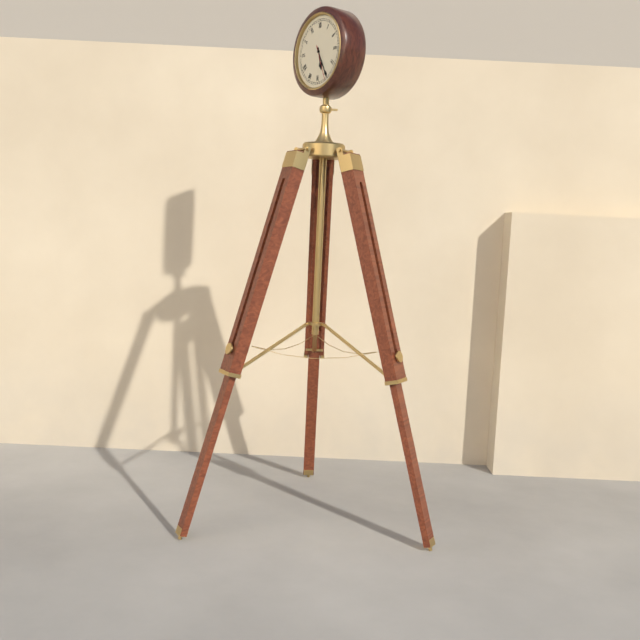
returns 5.25
